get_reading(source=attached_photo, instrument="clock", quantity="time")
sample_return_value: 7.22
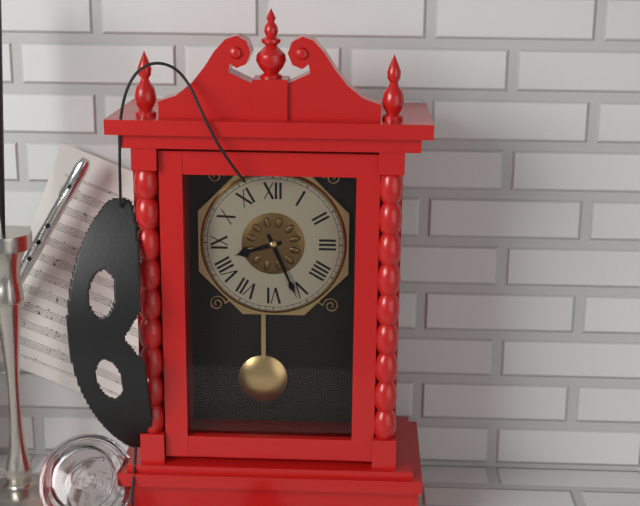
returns 8.26
